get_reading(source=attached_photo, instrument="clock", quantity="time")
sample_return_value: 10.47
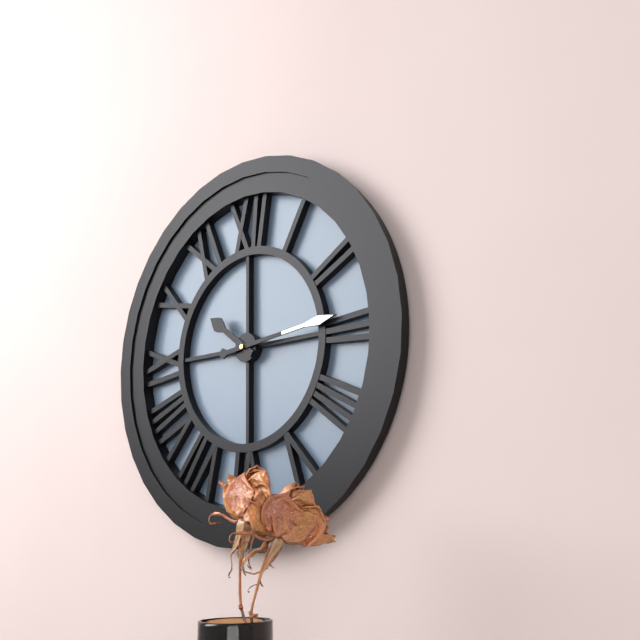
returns 10.14
